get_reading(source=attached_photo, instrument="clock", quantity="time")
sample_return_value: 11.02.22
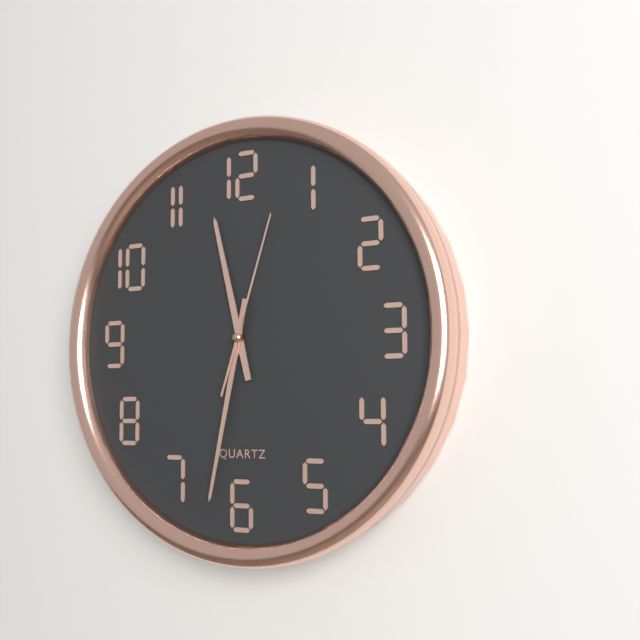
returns 11.32.03
